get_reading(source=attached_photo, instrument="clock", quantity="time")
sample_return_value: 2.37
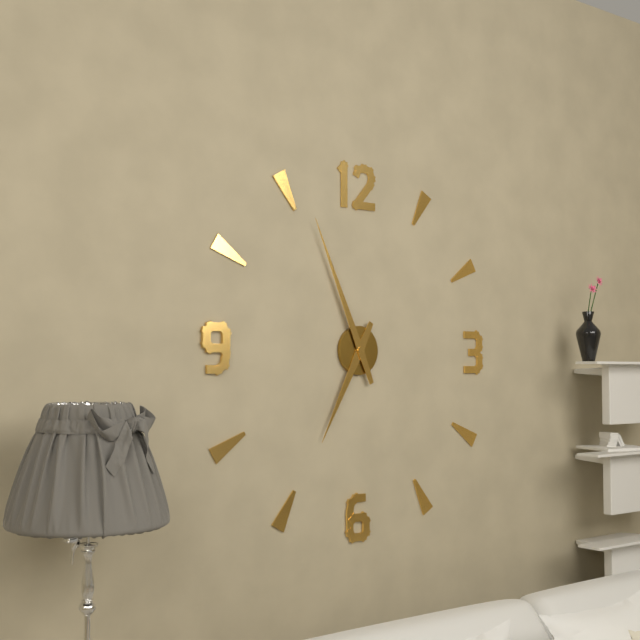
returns 6.56
